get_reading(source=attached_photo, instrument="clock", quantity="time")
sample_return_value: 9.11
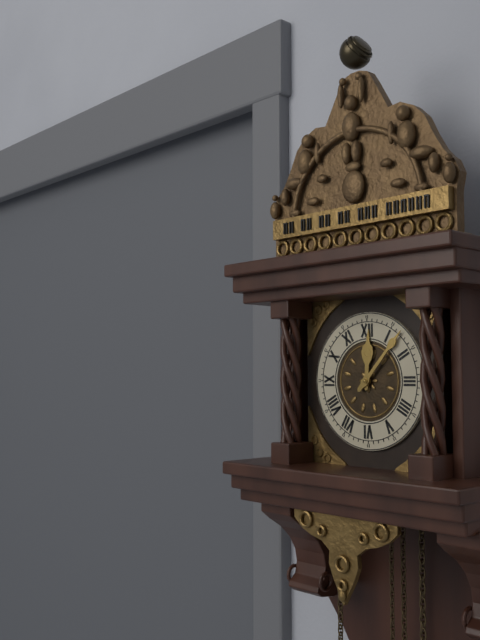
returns 12.07
